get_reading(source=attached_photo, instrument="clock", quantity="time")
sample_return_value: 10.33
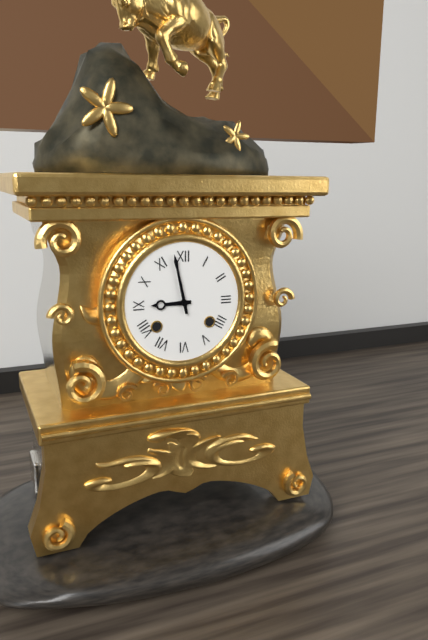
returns 8.58
